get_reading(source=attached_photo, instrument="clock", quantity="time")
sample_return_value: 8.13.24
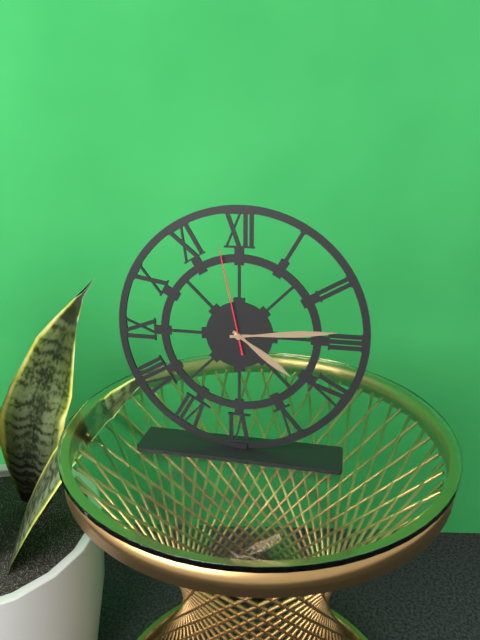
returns 4.14.58
